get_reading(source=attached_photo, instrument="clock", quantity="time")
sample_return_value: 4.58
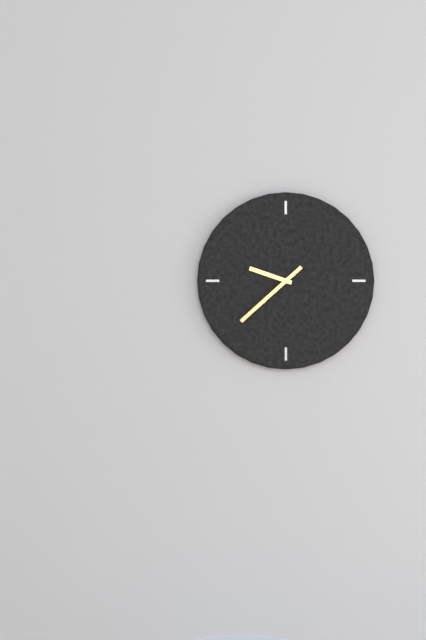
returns 9.38
